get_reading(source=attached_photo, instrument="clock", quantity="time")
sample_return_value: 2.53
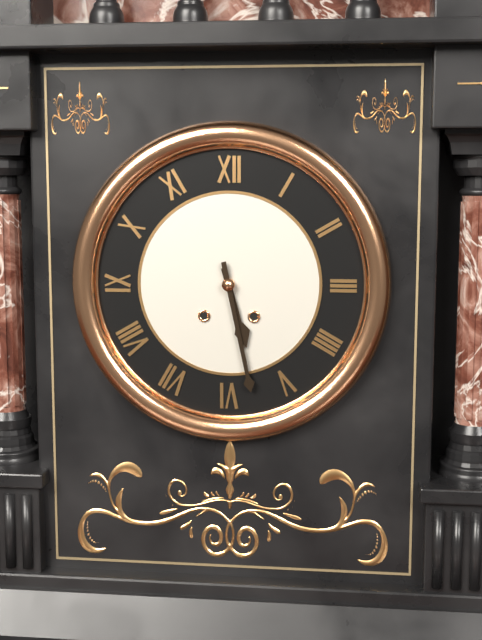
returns 5.28
